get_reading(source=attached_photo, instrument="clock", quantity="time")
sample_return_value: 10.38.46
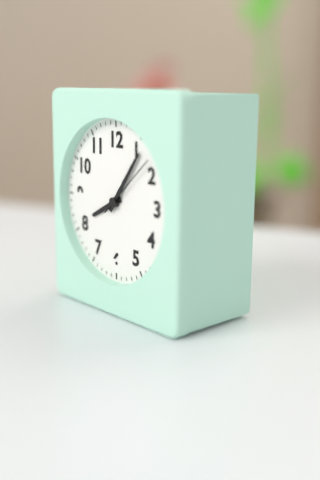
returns 8.06.08
